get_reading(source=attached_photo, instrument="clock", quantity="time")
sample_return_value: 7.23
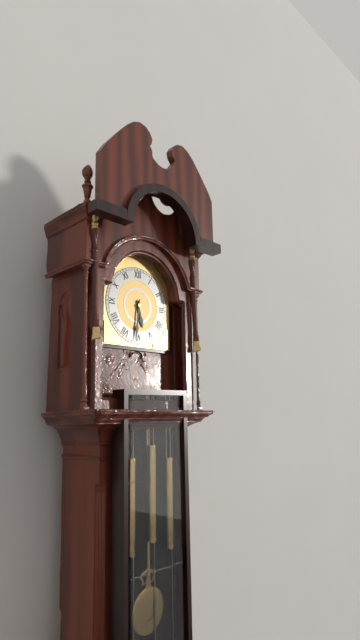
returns 5.31
